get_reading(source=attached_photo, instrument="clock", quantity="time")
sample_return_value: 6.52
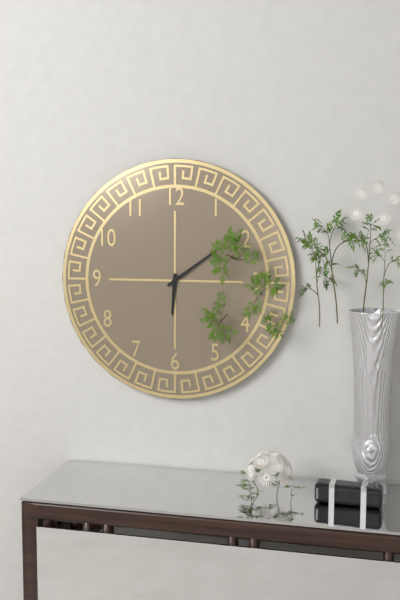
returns 6.09
